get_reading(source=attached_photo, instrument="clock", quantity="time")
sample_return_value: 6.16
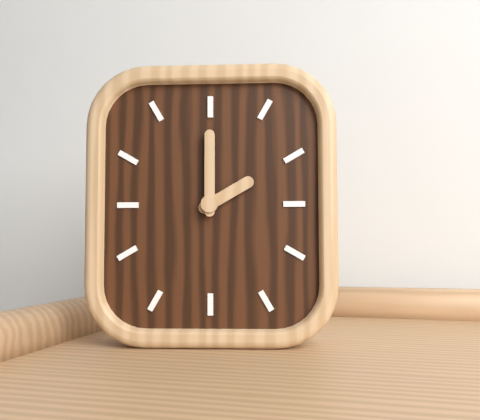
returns 2.00
